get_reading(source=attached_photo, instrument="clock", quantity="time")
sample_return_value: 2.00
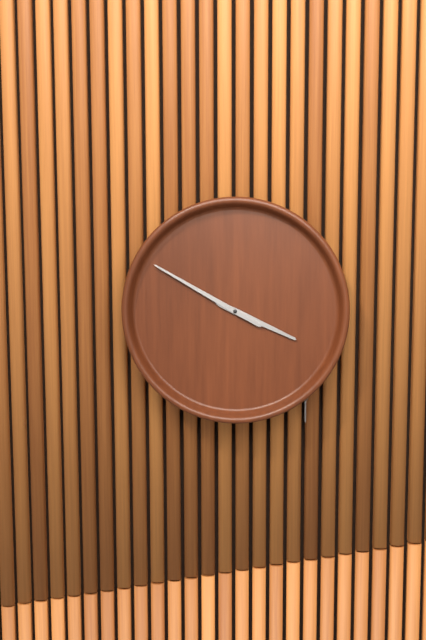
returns 3.50
